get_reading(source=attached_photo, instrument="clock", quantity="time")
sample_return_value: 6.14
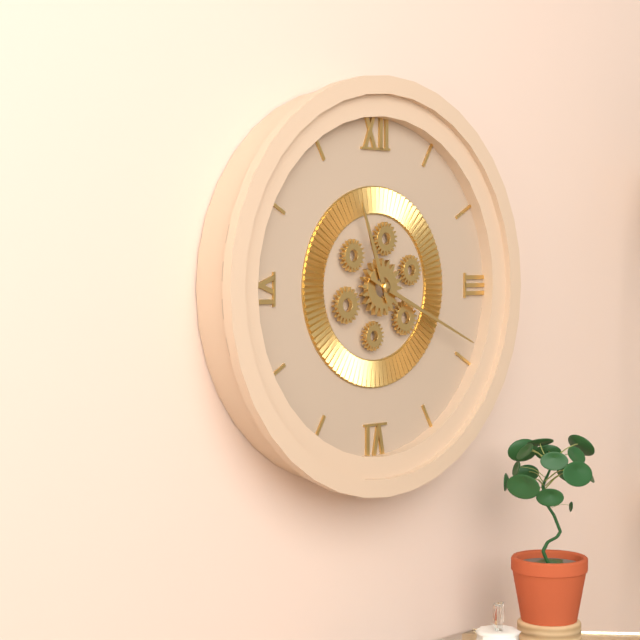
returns 11.19
